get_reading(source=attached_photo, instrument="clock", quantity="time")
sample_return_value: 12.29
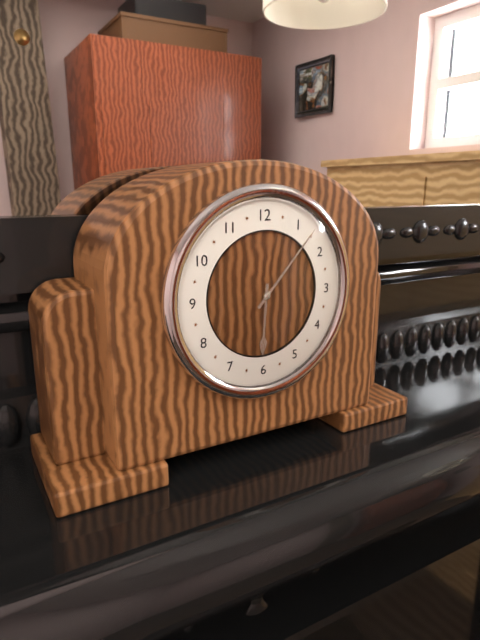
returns 6.07
